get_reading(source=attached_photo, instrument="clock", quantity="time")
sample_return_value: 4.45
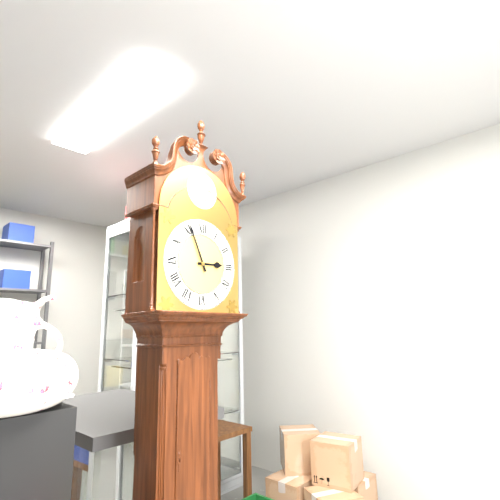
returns 2.56
